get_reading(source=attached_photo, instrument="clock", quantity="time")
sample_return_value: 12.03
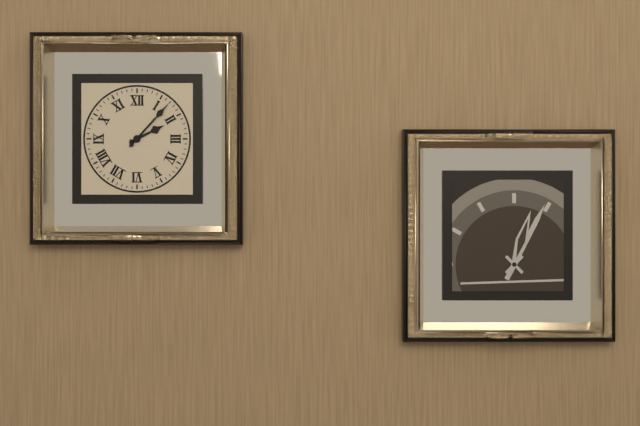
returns 2.07
